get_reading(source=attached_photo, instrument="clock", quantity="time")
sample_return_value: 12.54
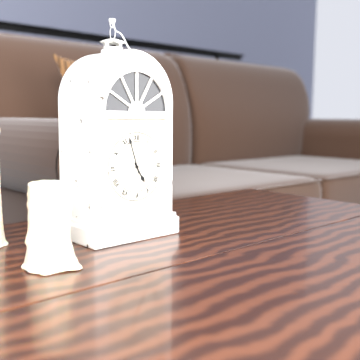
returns 4.57
